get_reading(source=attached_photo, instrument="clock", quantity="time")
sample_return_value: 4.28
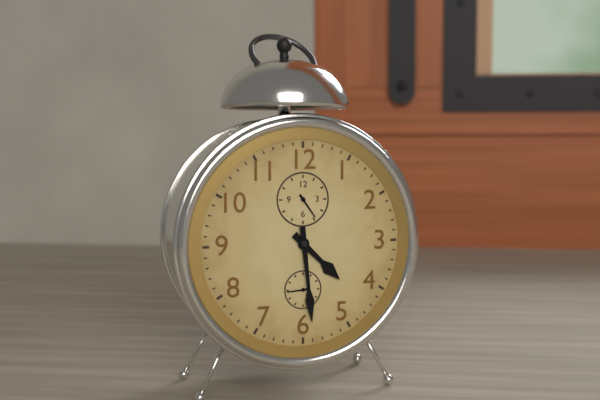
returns 4.29
